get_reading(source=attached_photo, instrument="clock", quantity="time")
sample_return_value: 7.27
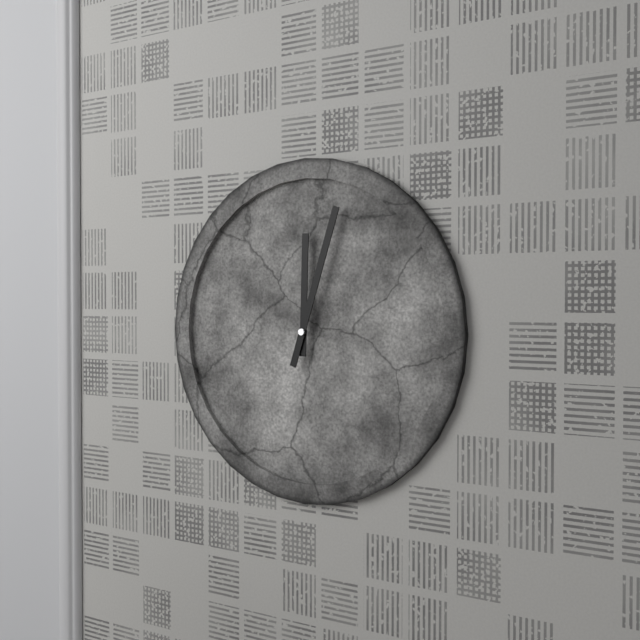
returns 12.03
